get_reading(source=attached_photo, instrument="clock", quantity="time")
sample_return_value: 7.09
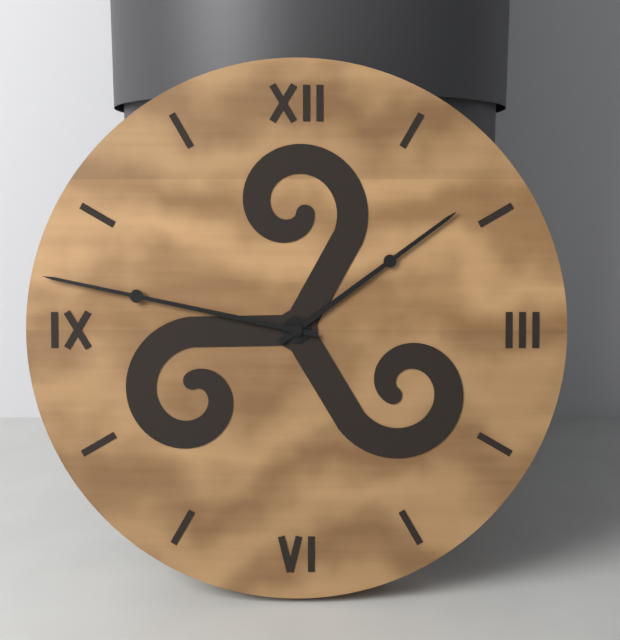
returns 1.47
